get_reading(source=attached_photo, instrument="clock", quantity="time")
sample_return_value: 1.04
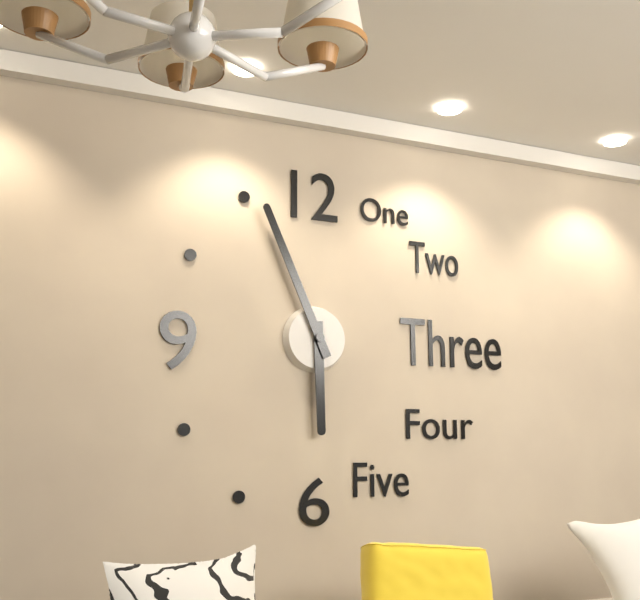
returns 5.56
